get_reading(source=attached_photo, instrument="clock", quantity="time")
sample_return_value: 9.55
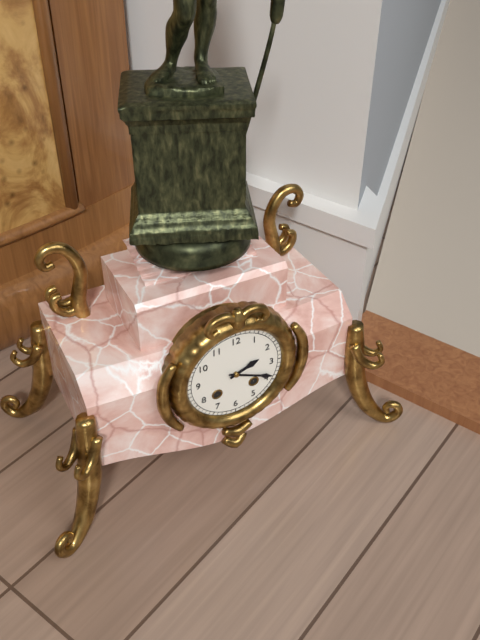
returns 2.19
